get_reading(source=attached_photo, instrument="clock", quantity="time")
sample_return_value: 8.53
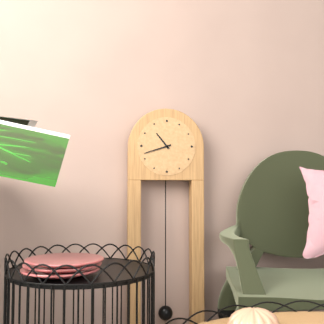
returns 10.42
